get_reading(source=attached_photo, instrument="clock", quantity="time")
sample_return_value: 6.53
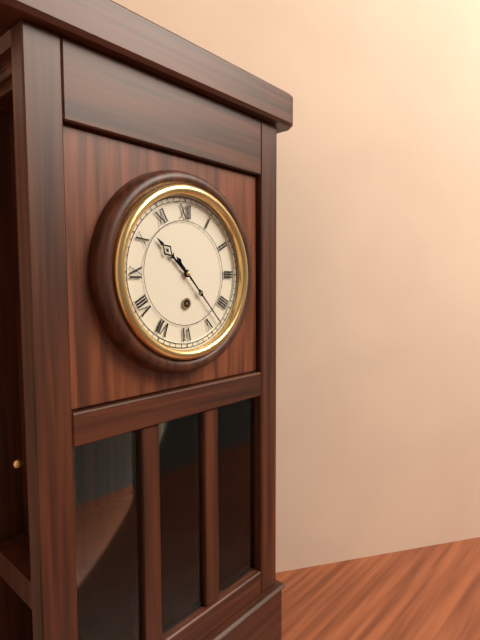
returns 10.23
